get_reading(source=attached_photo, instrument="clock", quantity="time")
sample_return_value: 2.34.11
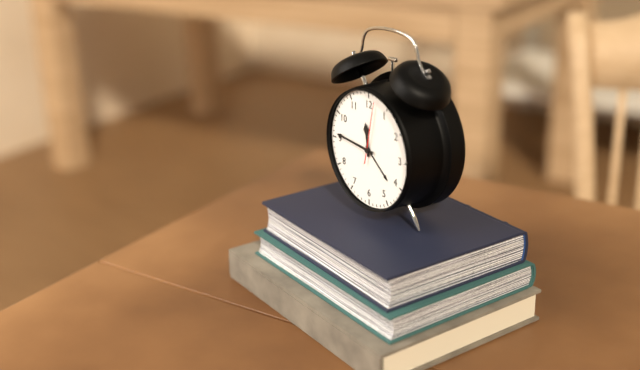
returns 11.46.02
